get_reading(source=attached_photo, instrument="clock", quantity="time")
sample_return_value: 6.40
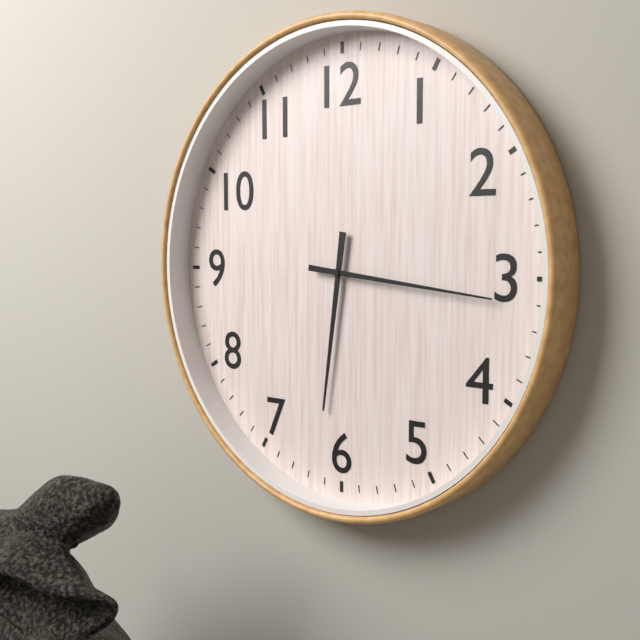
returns 6.16
